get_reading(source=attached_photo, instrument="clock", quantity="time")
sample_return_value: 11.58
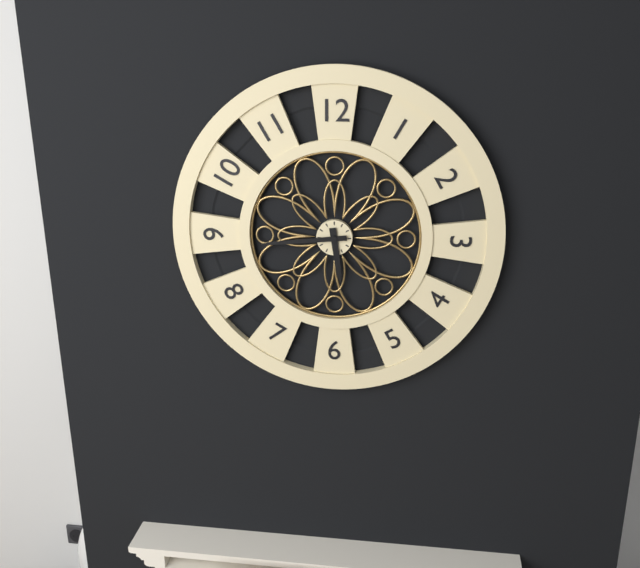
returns 5.44
